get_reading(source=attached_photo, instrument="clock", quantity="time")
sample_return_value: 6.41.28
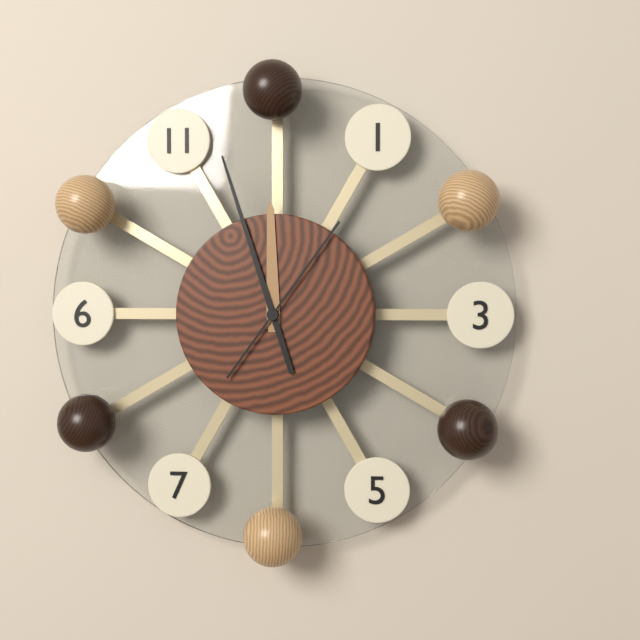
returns 11.57.06
